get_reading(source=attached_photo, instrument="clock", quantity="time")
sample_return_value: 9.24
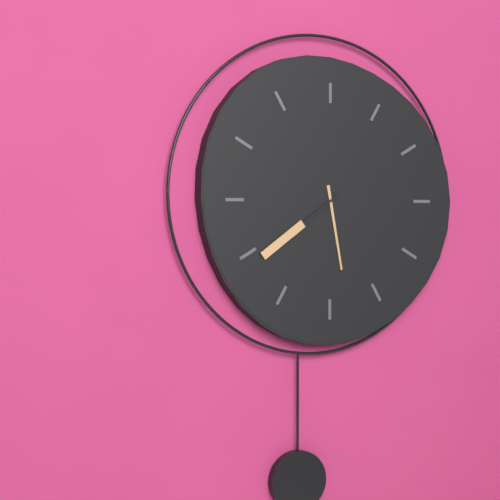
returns 5.39
